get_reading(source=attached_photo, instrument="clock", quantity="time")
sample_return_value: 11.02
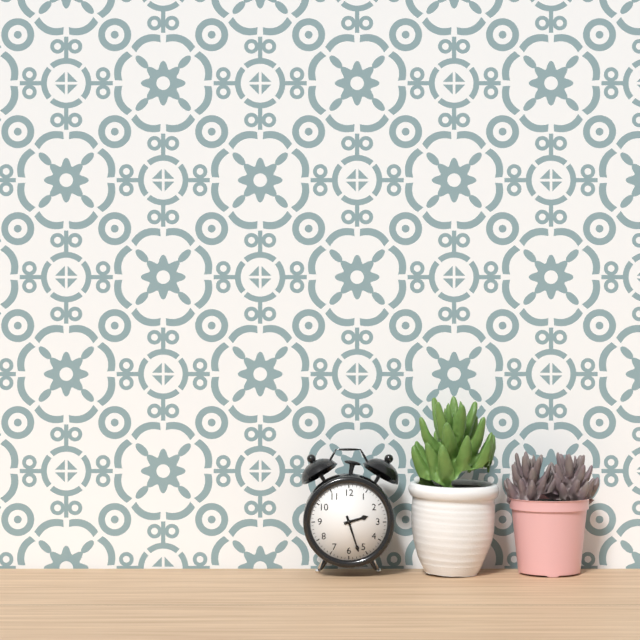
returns 2.27
